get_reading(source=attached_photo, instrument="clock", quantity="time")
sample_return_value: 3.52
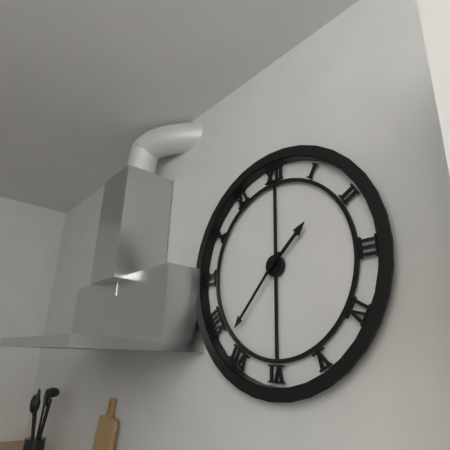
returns 1.37
